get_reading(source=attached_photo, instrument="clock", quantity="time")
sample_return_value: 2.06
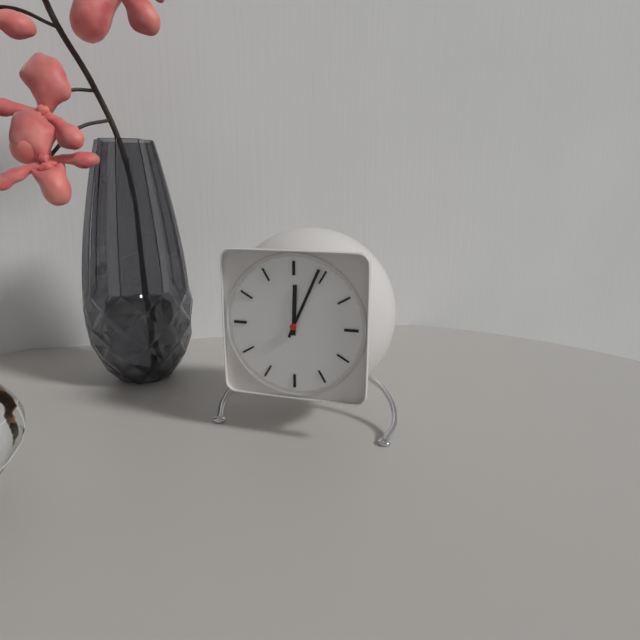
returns 12.04
